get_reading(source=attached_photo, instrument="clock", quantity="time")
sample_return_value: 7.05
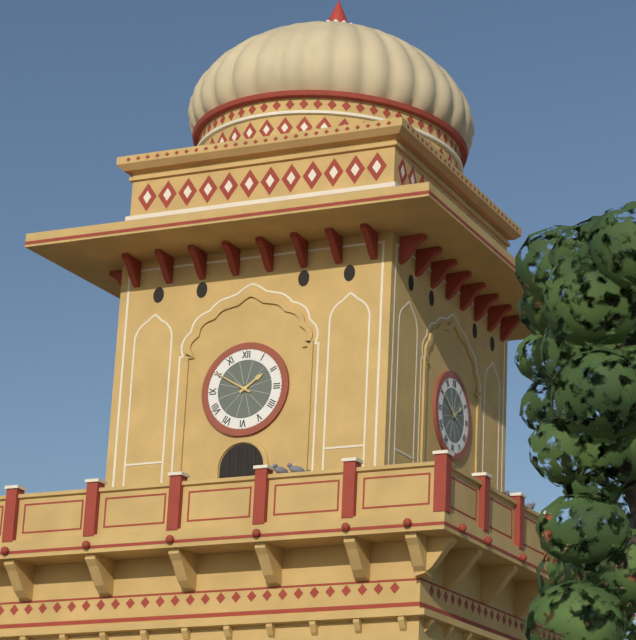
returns 1.50
